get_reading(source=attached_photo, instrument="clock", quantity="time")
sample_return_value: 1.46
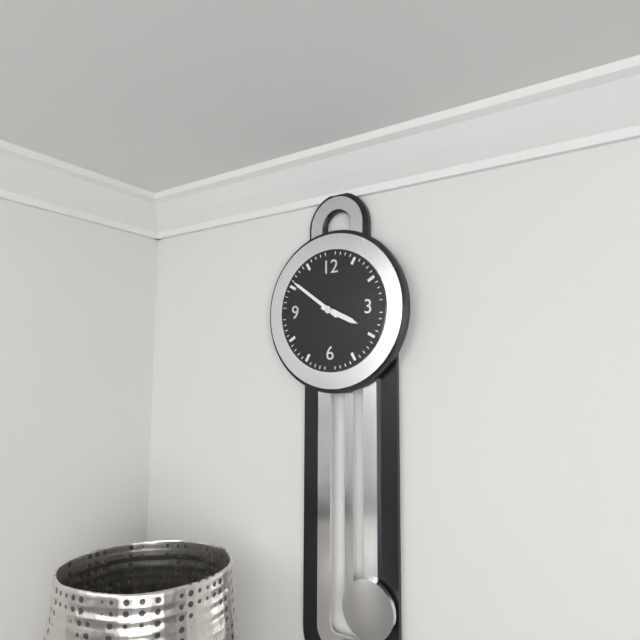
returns 3.51
